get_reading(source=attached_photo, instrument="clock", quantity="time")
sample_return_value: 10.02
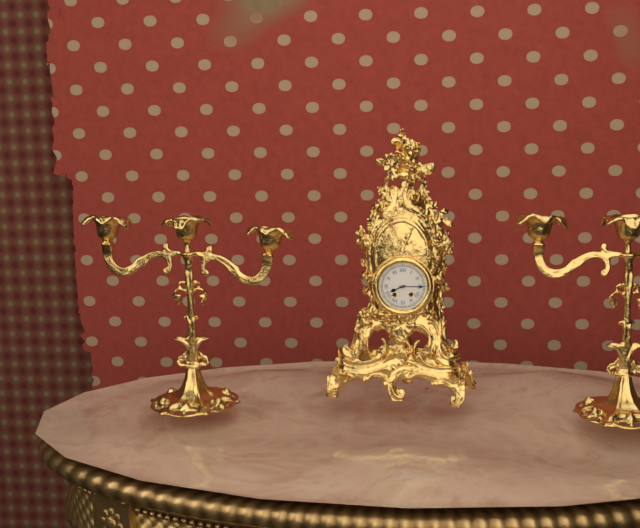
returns 8.15
